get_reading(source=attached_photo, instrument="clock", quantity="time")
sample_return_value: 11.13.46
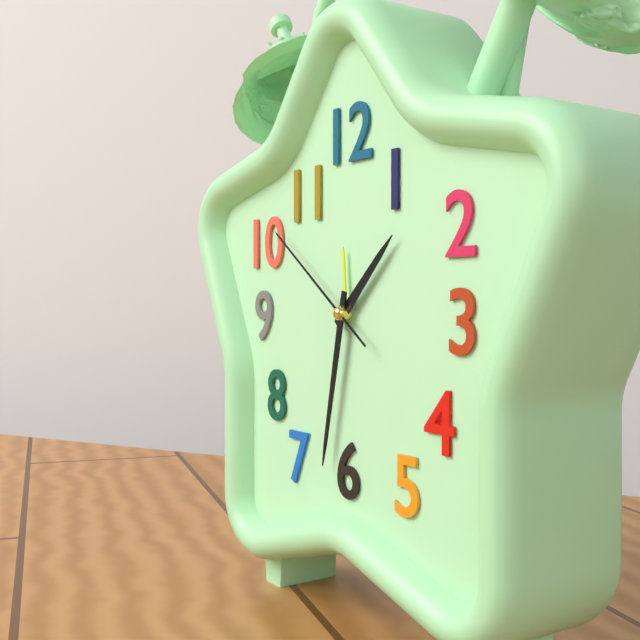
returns 1.32.51
